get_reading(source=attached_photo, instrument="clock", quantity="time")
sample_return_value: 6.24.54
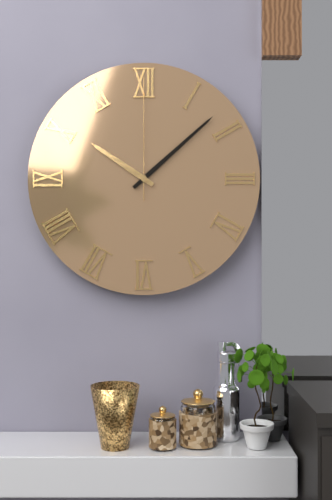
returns 10.08.00
